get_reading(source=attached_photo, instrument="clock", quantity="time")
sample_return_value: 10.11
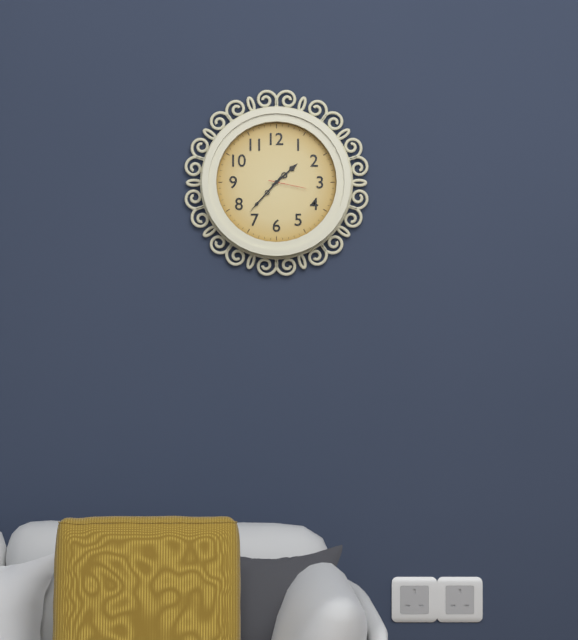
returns 1.37
